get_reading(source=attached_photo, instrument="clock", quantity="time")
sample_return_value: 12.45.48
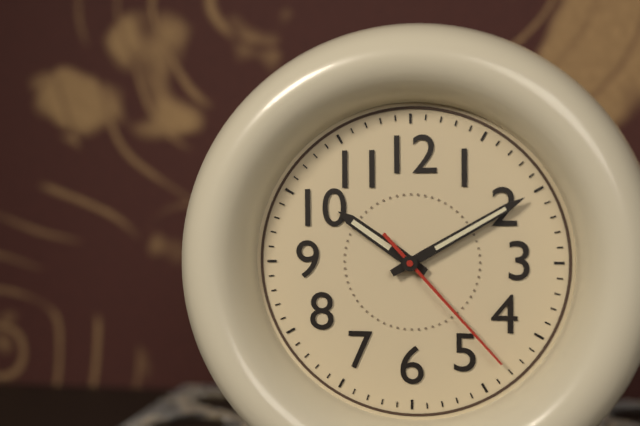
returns 10.10.23
